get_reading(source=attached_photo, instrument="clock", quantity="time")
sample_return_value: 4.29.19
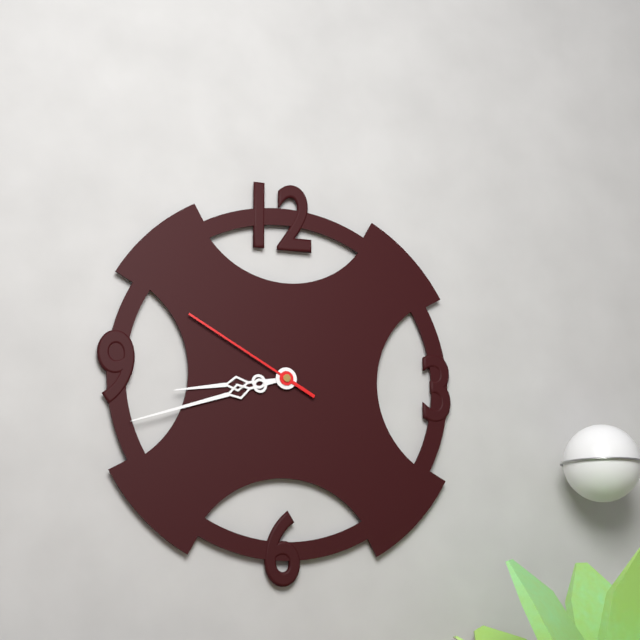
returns 8.42.50
